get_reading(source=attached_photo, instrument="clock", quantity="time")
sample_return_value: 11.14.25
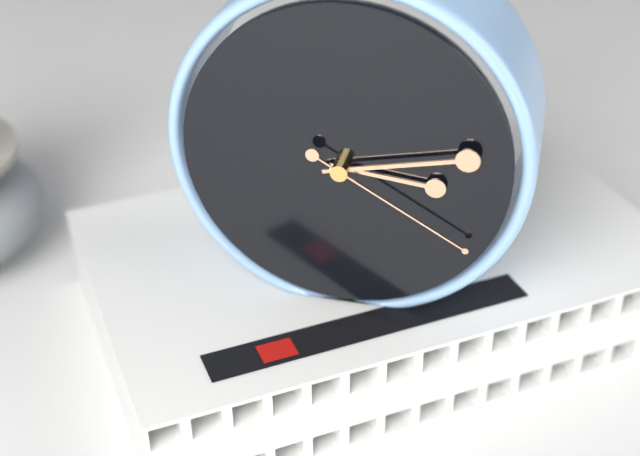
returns 3.13.20
